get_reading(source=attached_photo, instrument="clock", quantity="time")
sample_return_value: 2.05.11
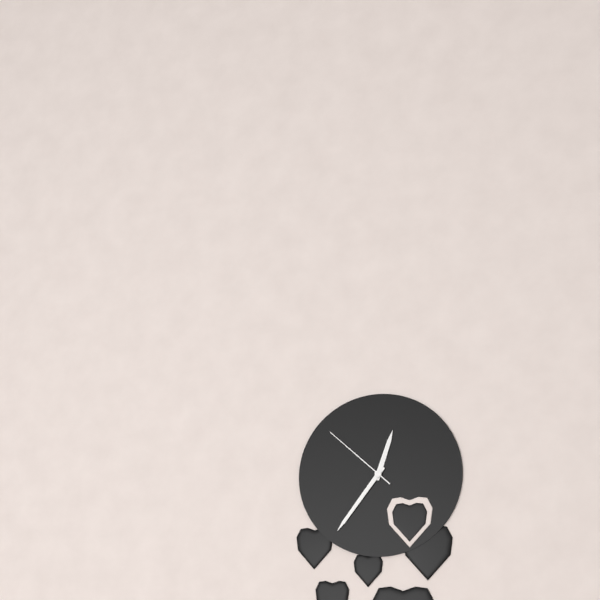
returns 12.36.52
